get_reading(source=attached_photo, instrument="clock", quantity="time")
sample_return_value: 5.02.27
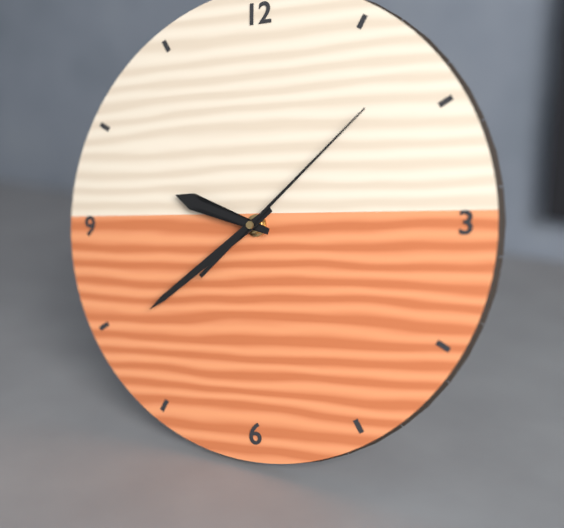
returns 9.39.08
